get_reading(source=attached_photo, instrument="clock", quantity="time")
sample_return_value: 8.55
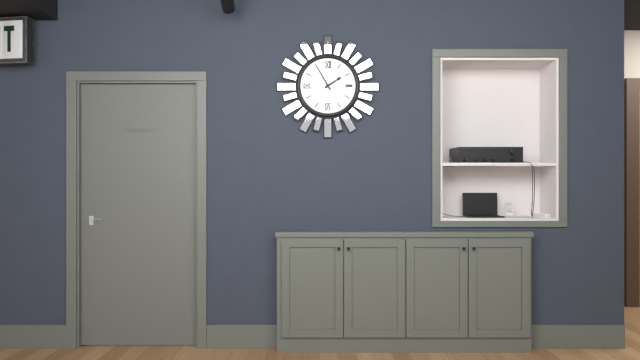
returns 1.55
